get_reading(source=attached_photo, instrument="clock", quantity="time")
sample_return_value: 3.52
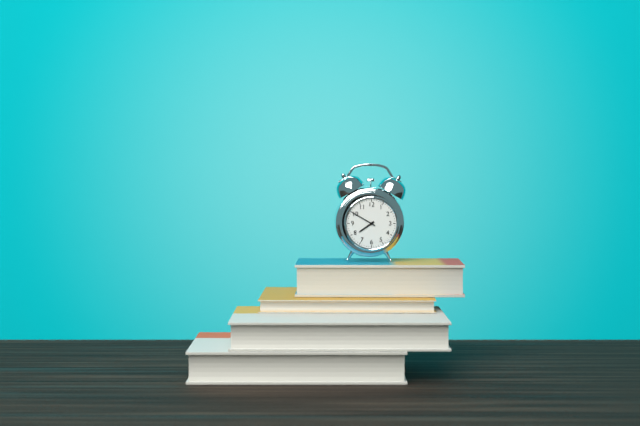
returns 7.50
